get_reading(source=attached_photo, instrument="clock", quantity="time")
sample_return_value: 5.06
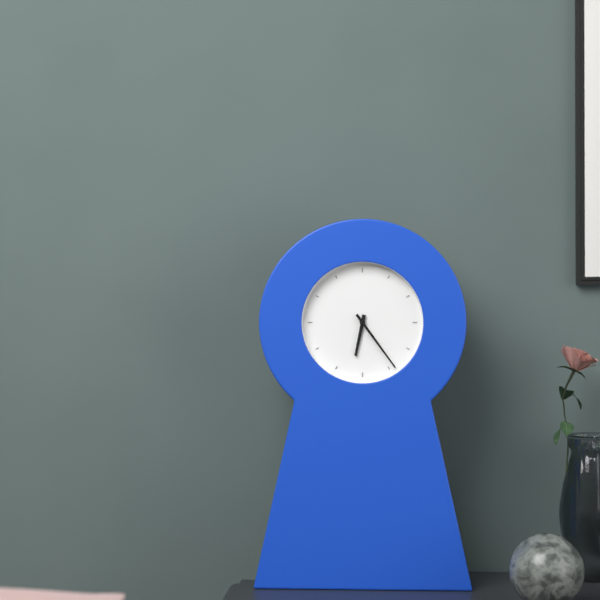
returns 6.24
